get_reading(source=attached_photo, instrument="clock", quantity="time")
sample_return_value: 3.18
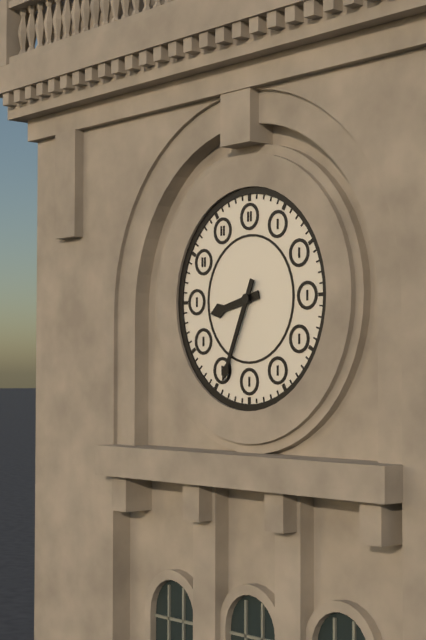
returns 8.34
